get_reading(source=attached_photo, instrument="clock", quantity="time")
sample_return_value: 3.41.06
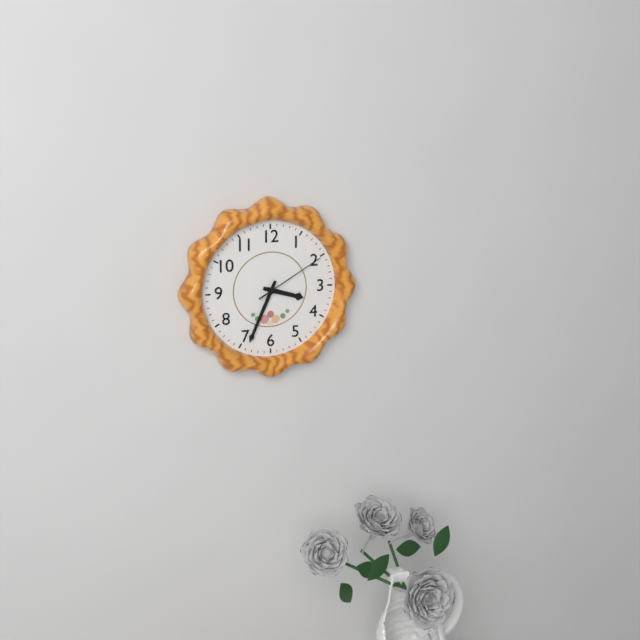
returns 3.34.10
